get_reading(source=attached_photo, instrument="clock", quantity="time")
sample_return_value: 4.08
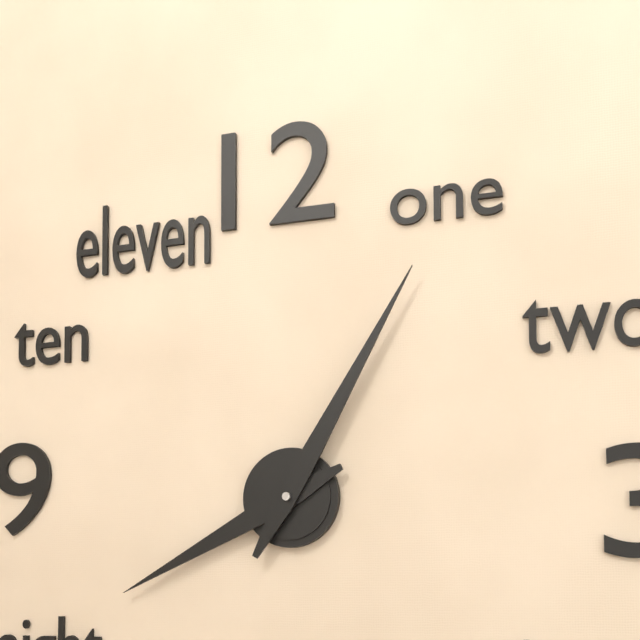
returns 8.05
